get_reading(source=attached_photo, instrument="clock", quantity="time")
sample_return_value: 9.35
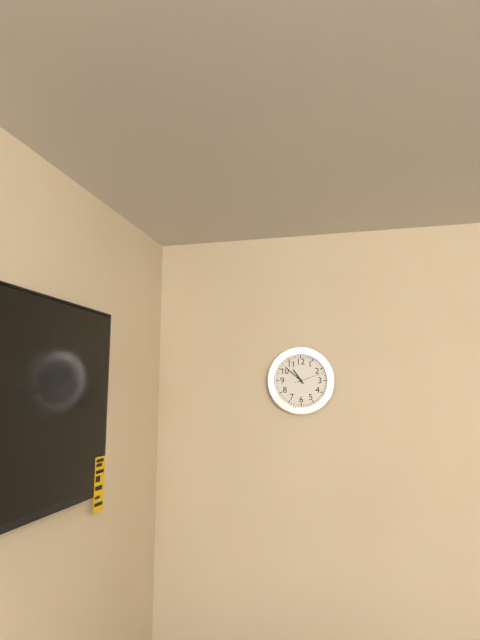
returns 10.52
